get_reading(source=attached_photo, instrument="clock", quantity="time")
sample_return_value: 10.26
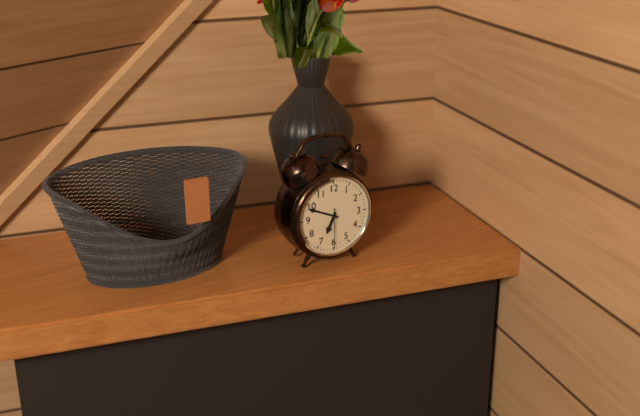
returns 6.49
